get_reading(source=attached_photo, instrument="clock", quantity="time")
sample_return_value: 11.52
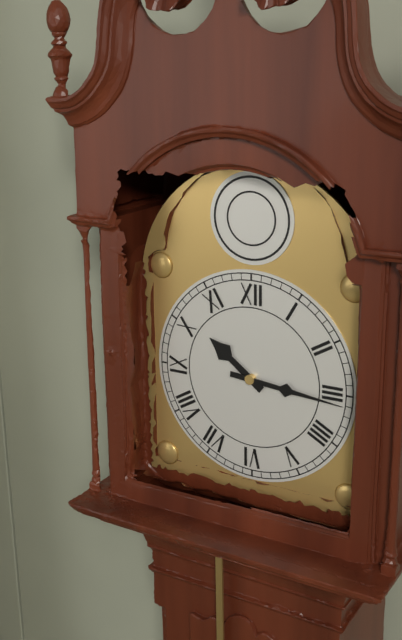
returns 10.16
